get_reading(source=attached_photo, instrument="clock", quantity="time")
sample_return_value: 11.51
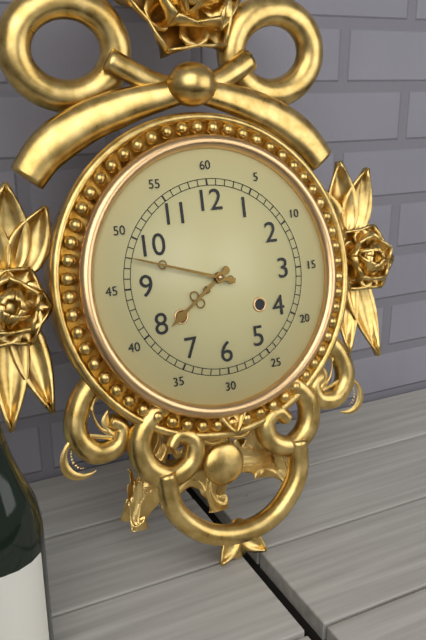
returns 7.48
